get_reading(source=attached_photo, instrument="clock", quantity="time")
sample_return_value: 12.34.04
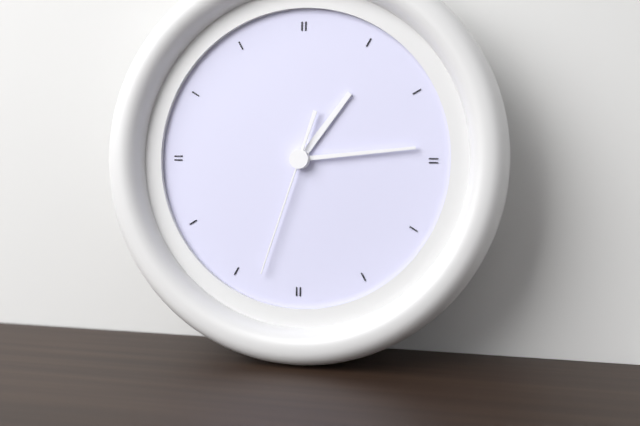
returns 1.14.33
